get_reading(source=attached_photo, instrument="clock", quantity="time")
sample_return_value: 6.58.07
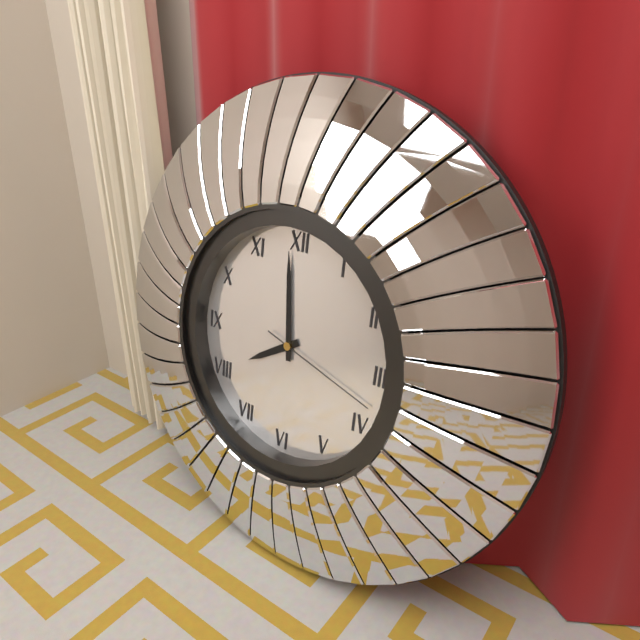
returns 7.59.18
